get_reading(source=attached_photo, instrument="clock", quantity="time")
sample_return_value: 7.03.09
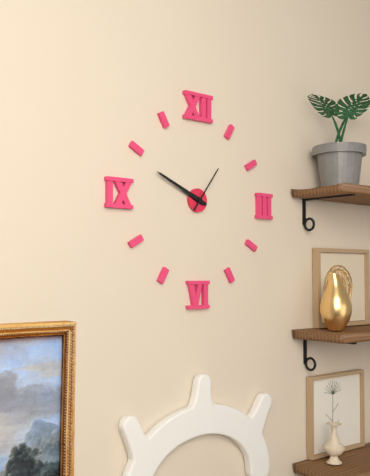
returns 9.49.06
